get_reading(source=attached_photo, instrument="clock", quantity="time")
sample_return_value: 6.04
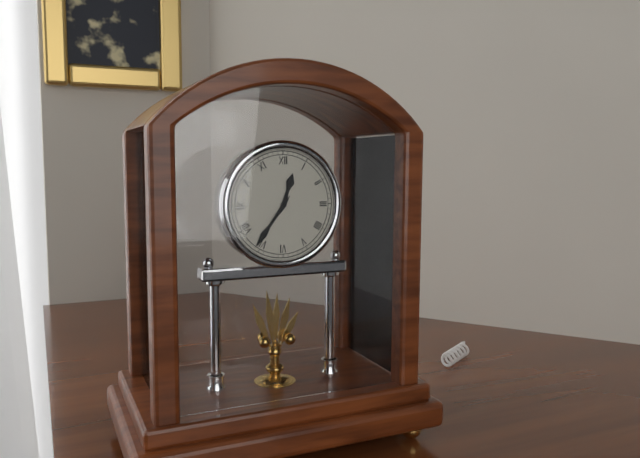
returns 12.36
